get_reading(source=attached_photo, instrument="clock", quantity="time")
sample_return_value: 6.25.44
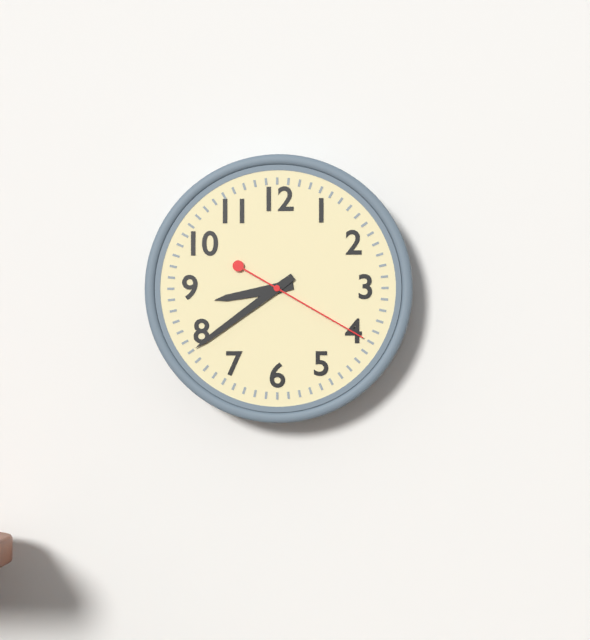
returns 8.39.20
